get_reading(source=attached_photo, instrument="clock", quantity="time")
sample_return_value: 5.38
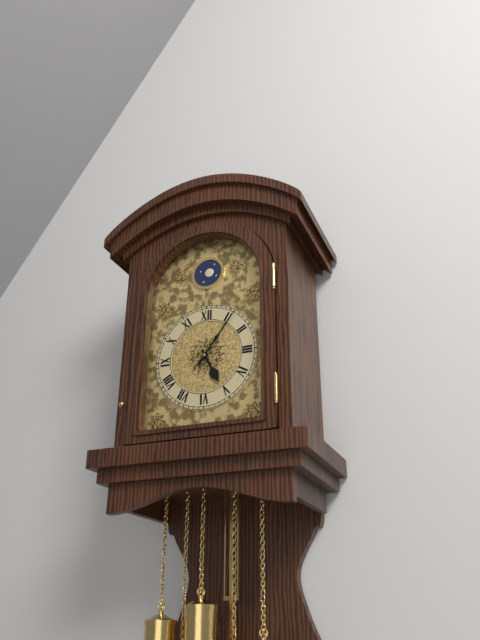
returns 5.06
